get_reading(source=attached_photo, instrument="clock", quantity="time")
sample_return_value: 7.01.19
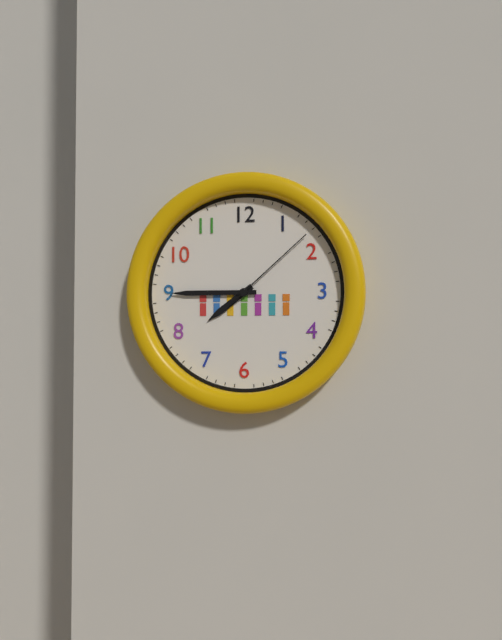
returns 7.45.08
